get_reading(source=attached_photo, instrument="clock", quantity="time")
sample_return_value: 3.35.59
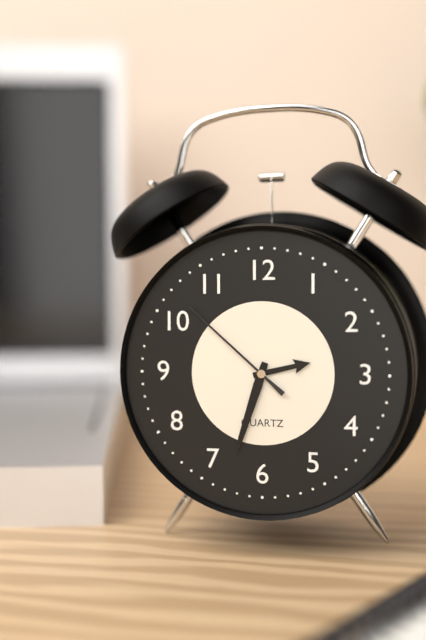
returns 2.33.52
